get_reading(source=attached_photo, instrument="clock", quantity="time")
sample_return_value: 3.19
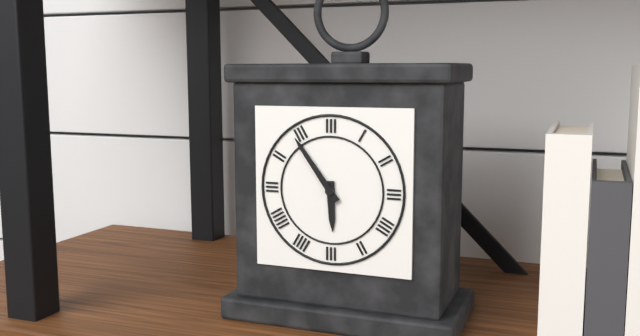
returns 5.54
